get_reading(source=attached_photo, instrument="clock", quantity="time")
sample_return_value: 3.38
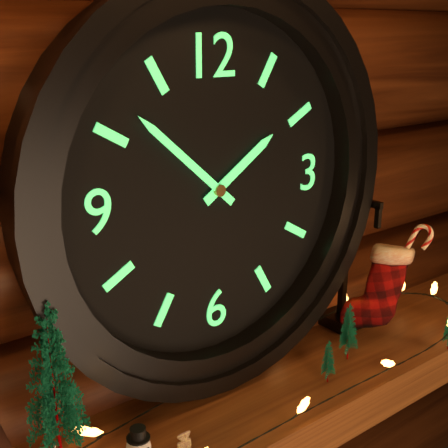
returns 1.52
